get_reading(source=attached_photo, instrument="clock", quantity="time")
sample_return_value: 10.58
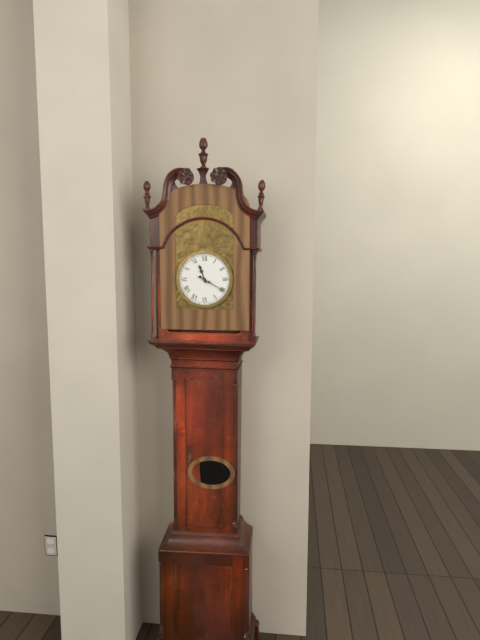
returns 11.20
